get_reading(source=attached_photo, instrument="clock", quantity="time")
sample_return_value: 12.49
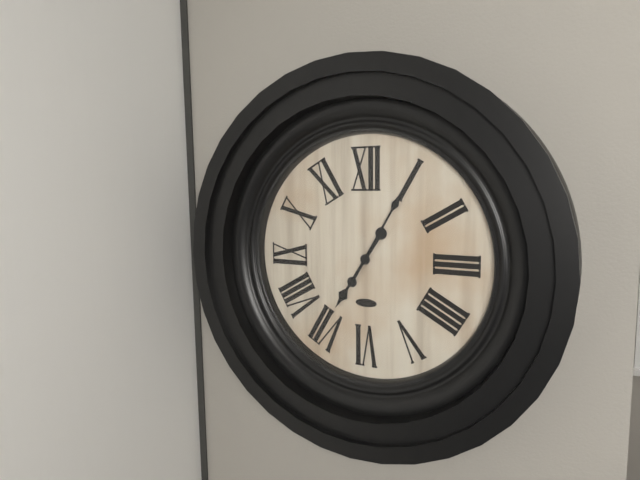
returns 7.05
